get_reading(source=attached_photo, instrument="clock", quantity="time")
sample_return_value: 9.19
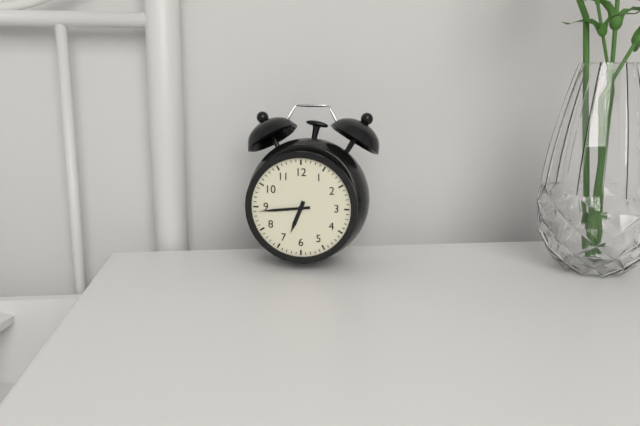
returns 6.44
